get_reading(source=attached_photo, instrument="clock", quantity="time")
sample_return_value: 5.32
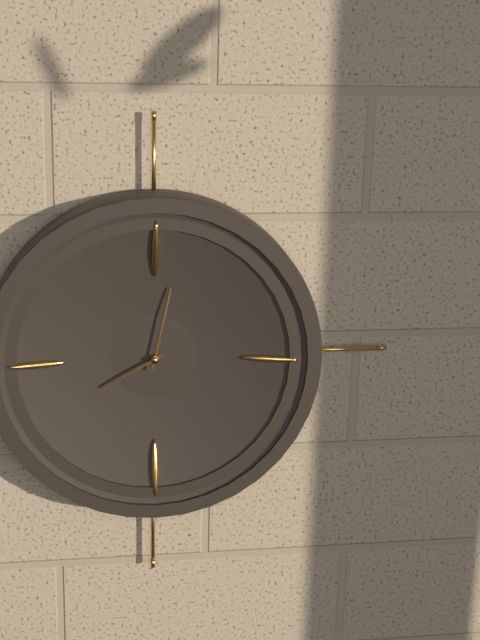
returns 8.02
